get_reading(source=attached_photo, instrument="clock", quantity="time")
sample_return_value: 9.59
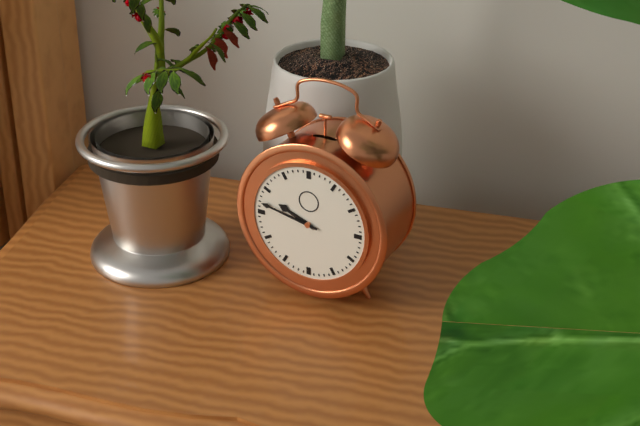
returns 9.47
